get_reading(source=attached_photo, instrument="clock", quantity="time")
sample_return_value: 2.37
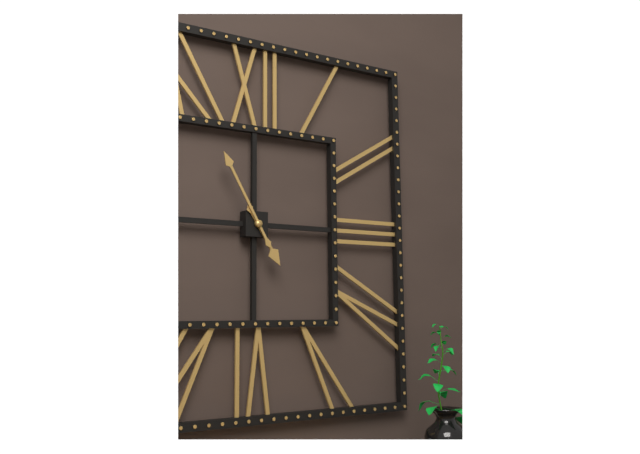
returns 4.55
